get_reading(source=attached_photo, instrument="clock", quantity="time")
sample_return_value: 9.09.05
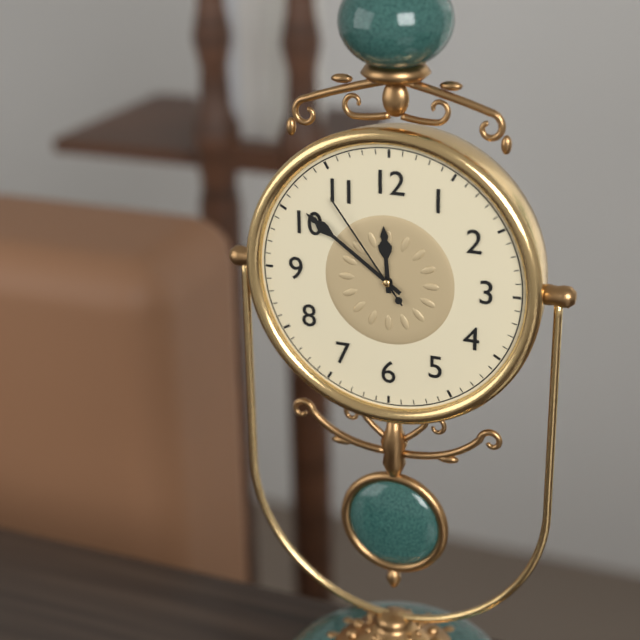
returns 11.51.54
